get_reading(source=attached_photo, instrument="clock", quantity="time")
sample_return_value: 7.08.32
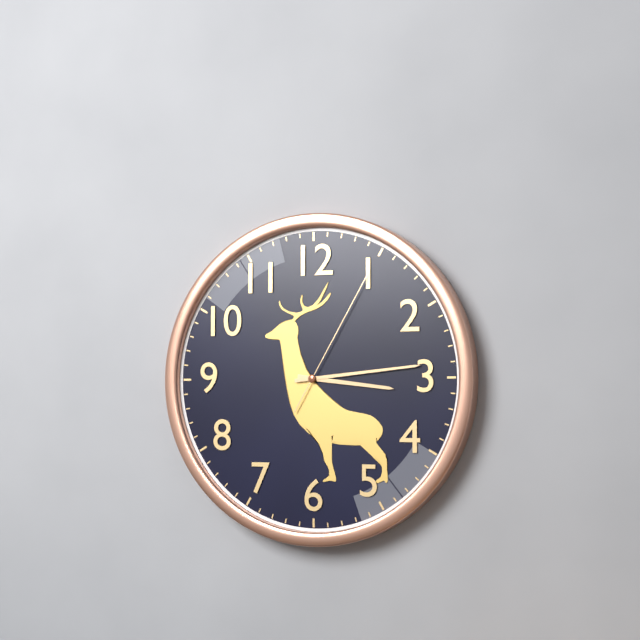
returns 3.14.05
